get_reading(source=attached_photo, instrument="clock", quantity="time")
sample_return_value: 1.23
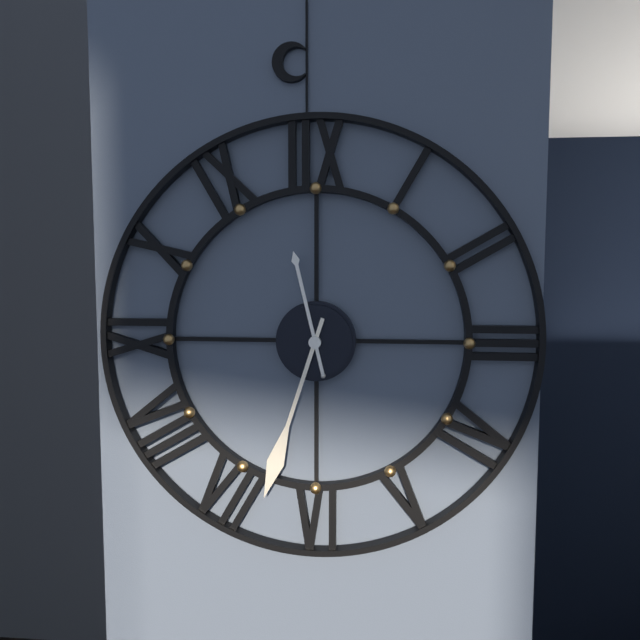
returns 11.33
